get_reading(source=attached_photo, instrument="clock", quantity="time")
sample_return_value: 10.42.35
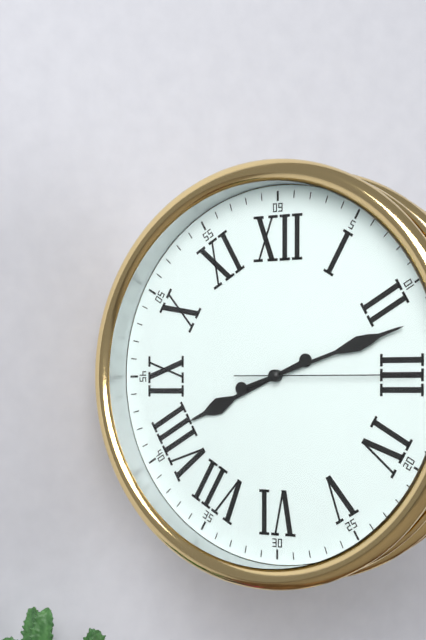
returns 8.12.15
